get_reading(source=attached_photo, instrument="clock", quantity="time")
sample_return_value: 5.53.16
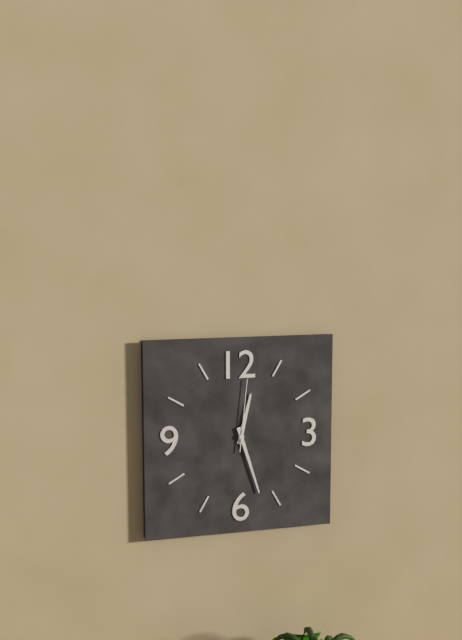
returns 12.27.01
